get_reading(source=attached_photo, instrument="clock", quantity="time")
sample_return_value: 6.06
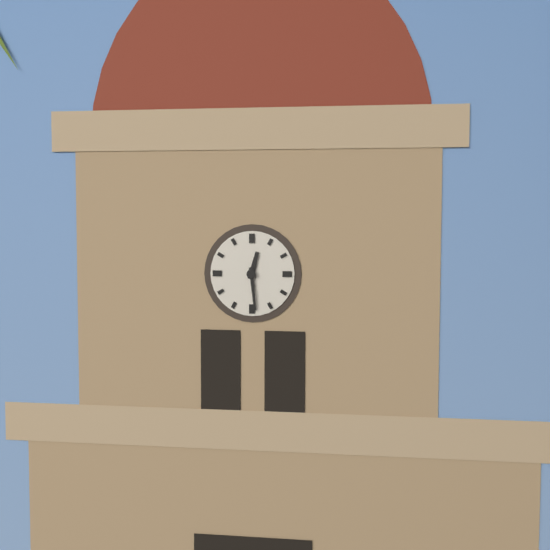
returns 12.29
